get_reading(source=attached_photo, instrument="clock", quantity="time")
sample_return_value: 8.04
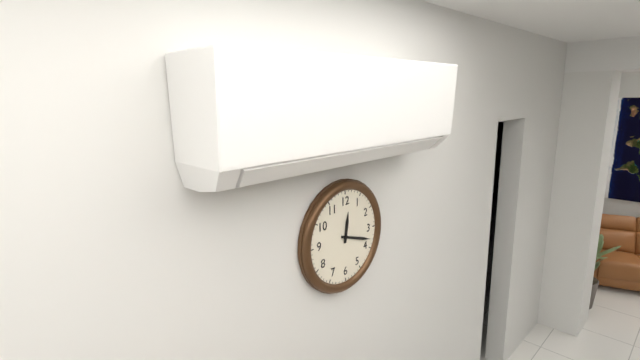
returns 12.18
